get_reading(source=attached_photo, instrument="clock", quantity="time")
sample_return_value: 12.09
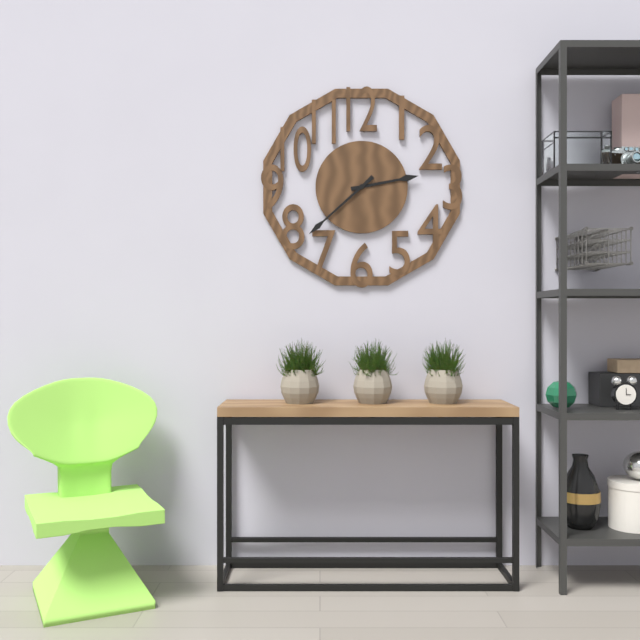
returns 2.38
